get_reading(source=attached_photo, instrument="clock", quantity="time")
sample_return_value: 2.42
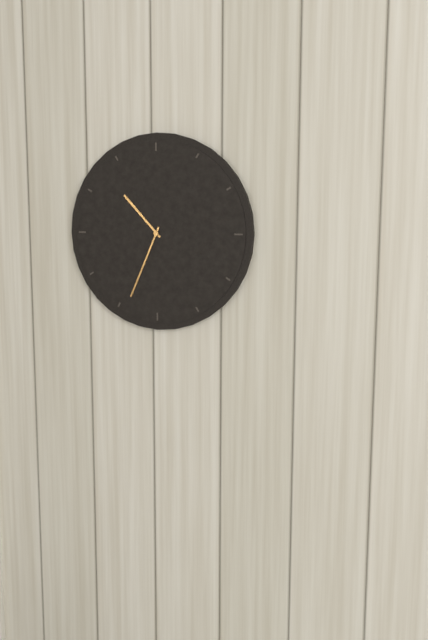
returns 10.34
